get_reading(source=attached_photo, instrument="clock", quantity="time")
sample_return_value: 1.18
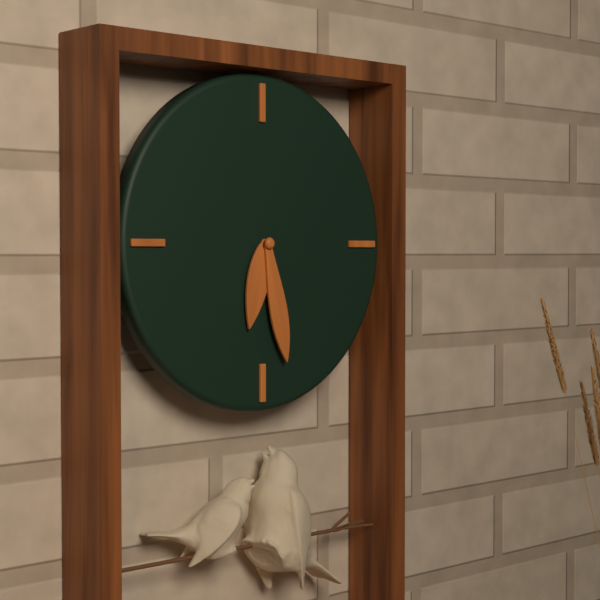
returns 6.28
